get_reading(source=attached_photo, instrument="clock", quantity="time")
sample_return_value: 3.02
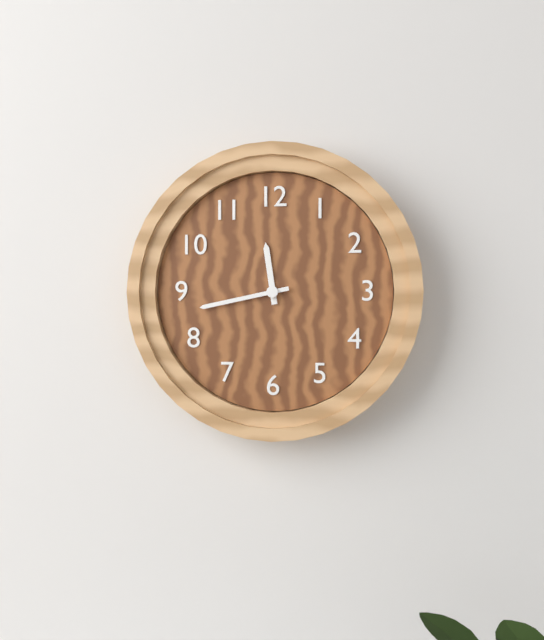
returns 11.43
